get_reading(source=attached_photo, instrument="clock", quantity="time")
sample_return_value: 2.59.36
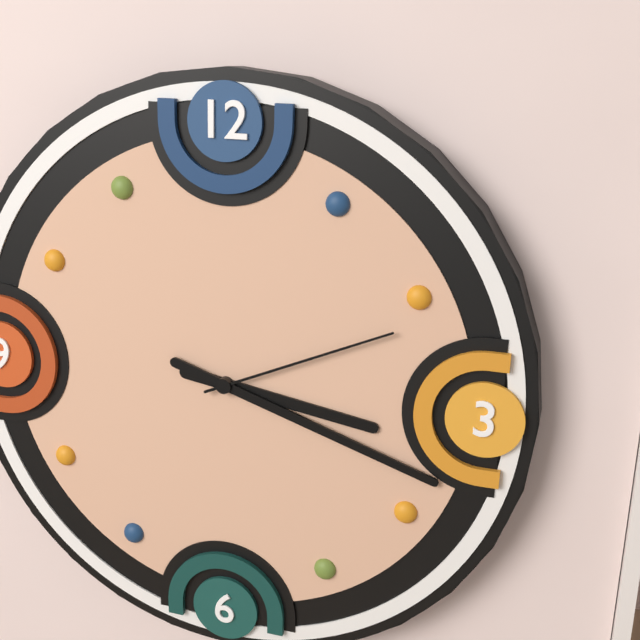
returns 3.18.11
